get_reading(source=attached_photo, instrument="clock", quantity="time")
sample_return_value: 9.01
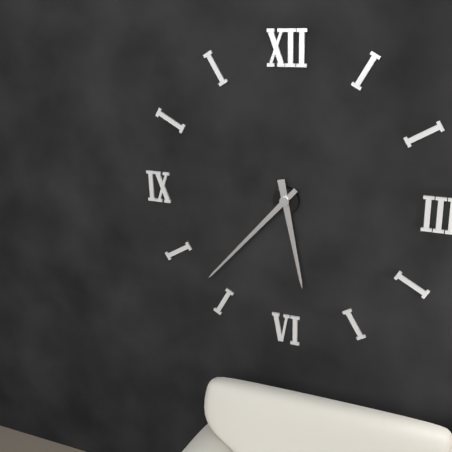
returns 5.37
